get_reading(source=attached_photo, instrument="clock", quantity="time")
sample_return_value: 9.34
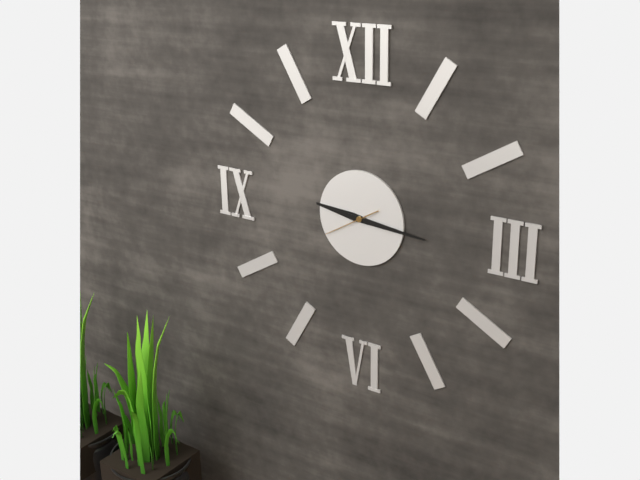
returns 9.16
